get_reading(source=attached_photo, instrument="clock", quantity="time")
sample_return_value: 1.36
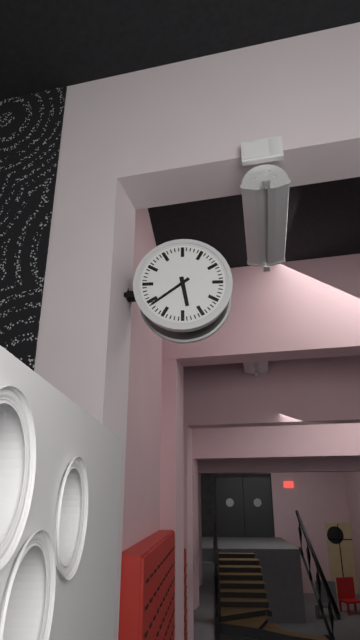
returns 5.39
